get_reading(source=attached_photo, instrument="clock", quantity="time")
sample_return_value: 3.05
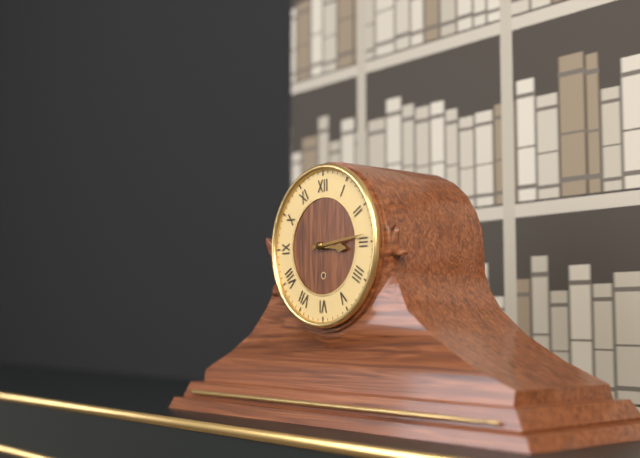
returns 3.14
